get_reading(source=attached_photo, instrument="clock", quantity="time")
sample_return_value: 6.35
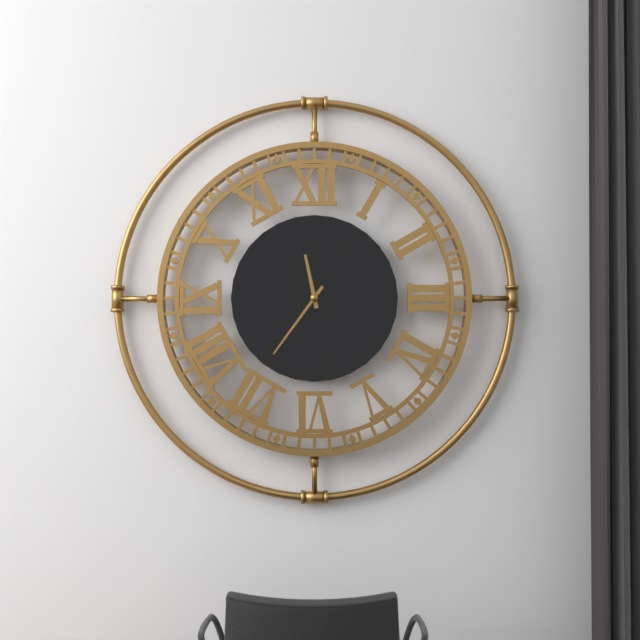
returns 11.36
